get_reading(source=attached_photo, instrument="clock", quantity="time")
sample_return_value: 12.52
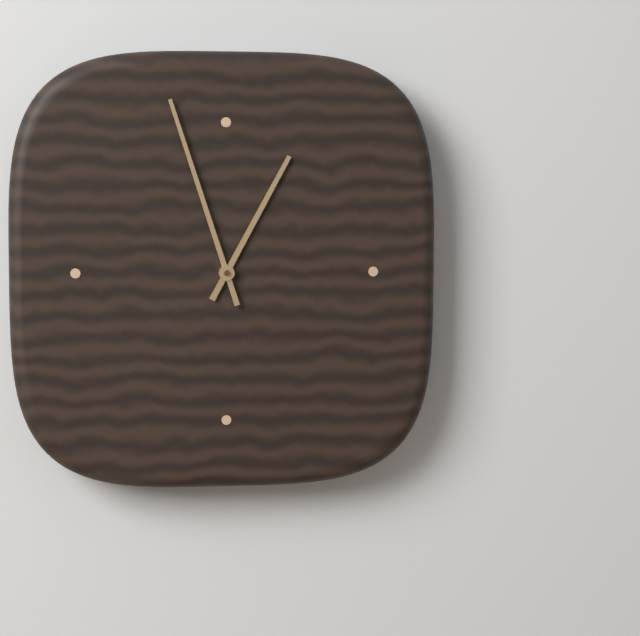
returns 12.57
